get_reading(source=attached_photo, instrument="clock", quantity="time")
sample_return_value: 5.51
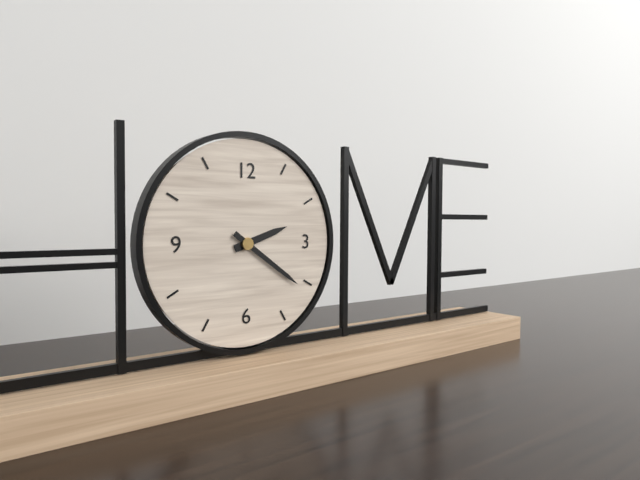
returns 2.21
